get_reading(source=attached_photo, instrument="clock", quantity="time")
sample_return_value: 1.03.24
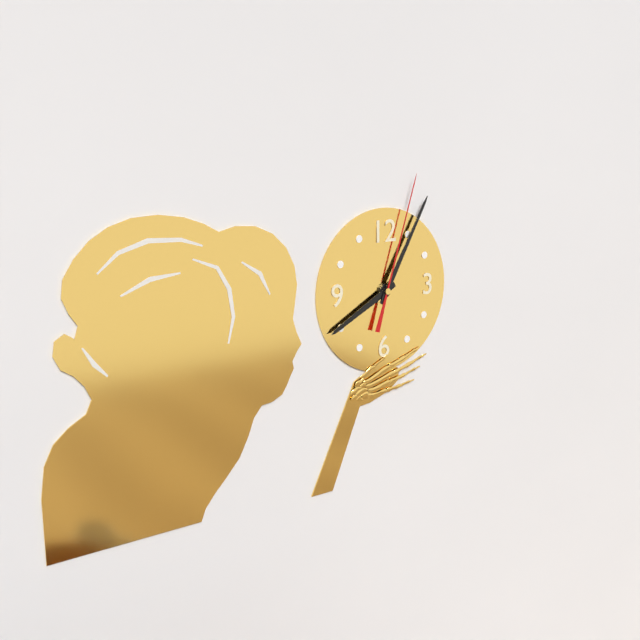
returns 8.05.03
